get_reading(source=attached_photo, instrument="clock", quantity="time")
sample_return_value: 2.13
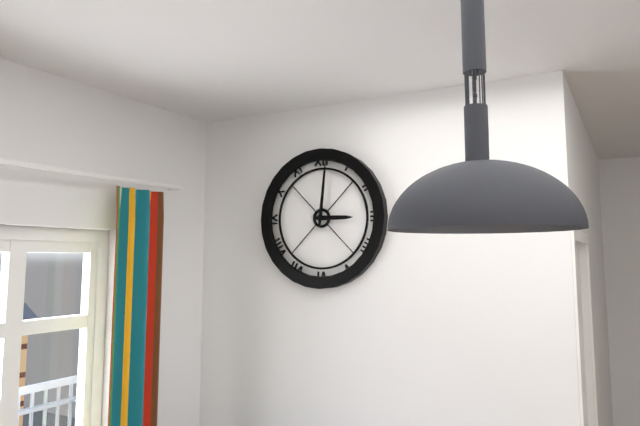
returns 3.01
